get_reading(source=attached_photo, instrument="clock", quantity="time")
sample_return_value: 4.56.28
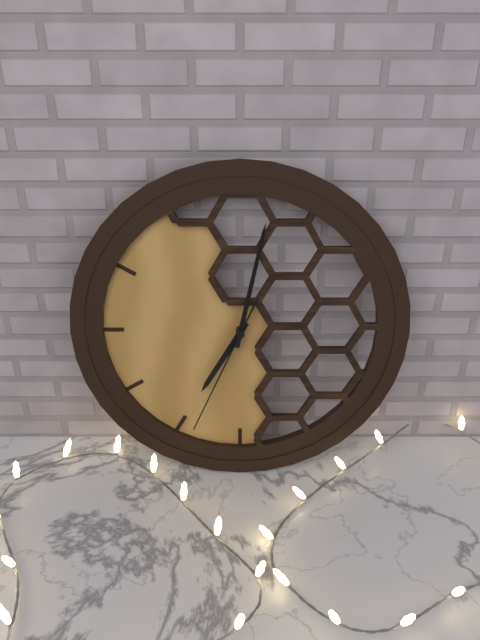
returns 7.02.34
